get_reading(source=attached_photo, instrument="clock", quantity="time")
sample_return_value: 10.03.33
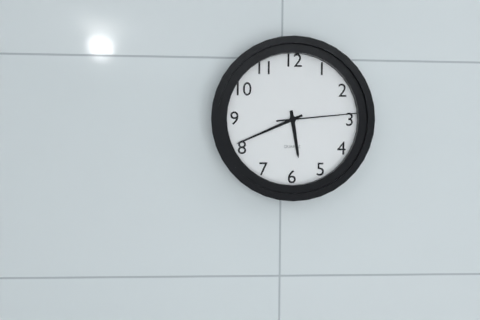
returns 5.41.14
